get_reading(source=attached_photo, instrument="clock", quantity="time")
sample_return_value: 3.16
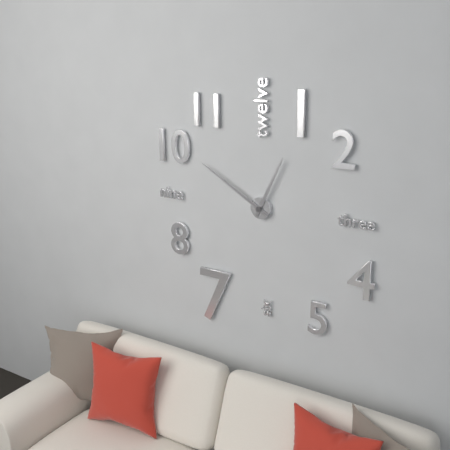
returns 12.50
